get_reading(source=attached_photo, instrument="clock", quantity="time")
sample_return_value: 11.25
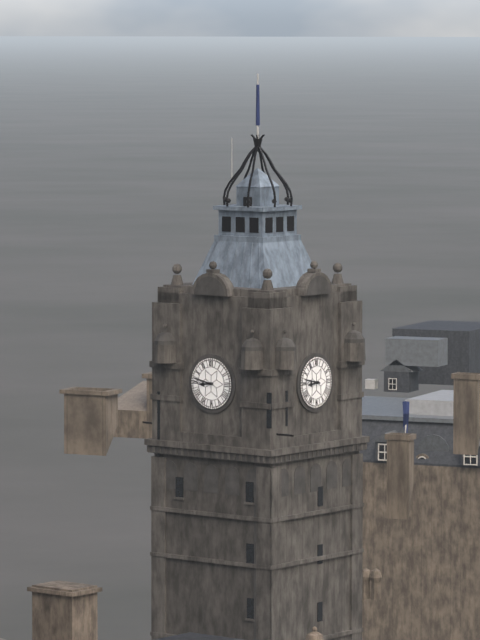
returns 8.47
